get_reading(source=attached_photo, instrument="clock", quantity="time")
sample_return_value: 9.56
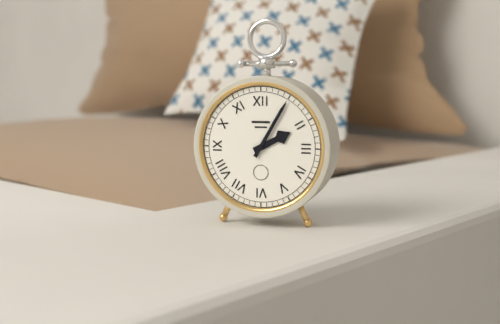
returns 2.05
